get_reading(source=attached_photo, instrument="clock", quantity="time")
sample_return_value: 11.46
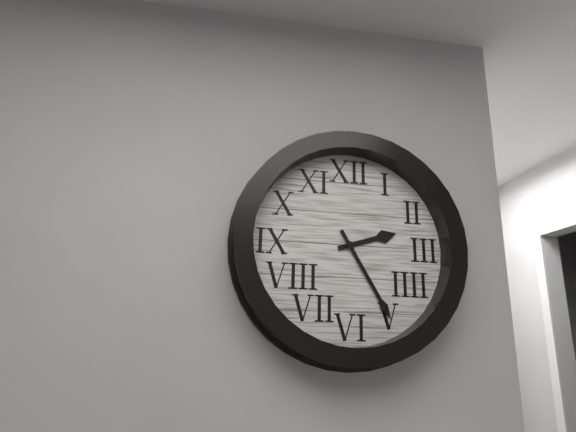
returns 2.25
